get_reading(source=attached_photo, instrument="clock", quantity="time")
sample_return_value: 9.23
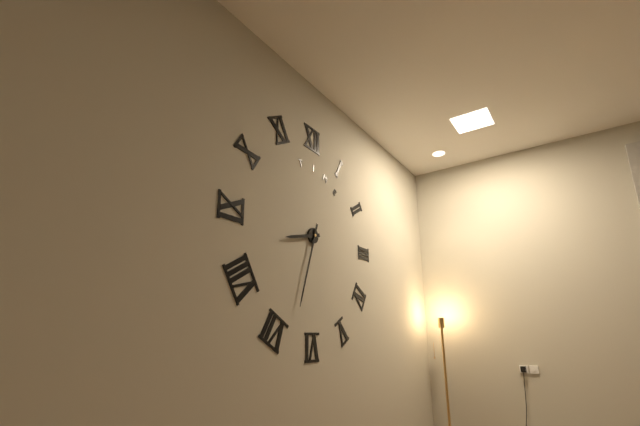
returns 8.33
